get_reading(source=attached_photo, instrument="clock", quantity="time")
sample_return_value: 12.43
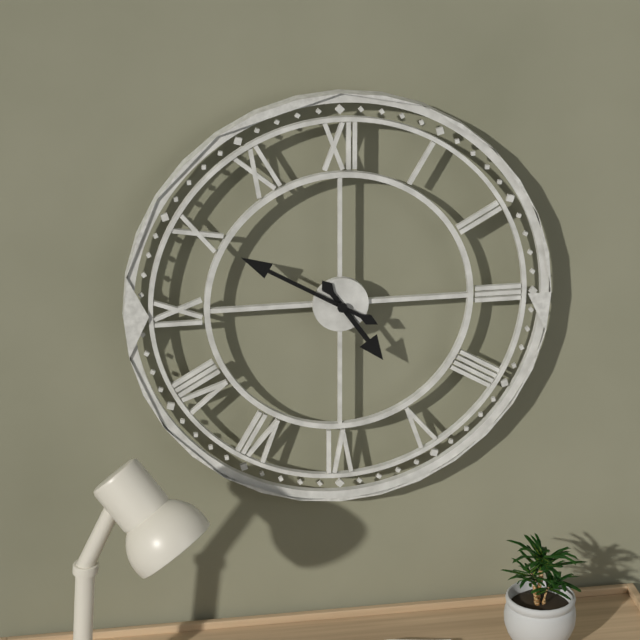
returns 4.50
